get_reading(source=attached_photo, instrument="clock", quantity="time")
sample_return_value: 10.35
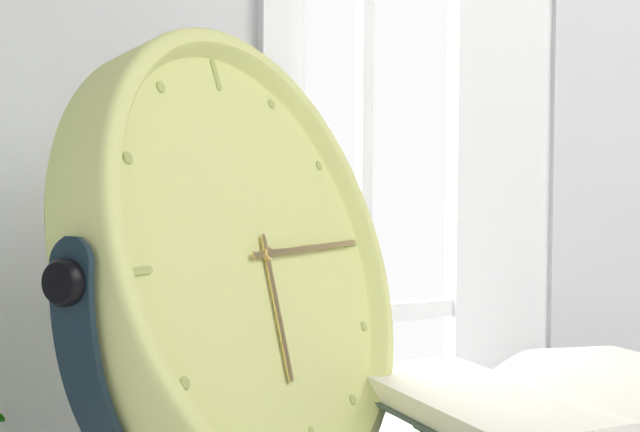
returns 6.15
